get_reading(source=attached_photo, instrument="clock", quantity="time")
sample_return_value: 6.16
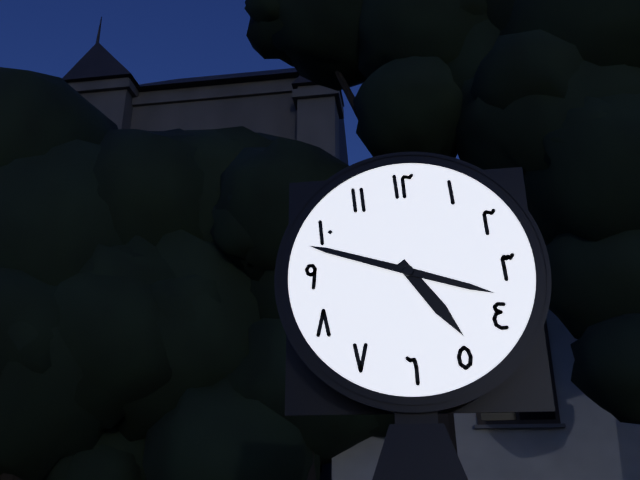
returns 4.48
